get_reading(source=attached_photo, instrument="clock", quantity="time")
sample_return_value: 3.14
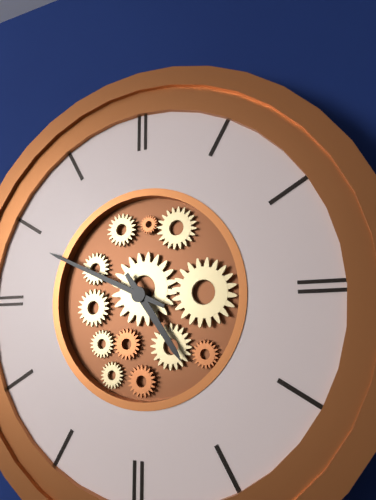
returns 4.49
